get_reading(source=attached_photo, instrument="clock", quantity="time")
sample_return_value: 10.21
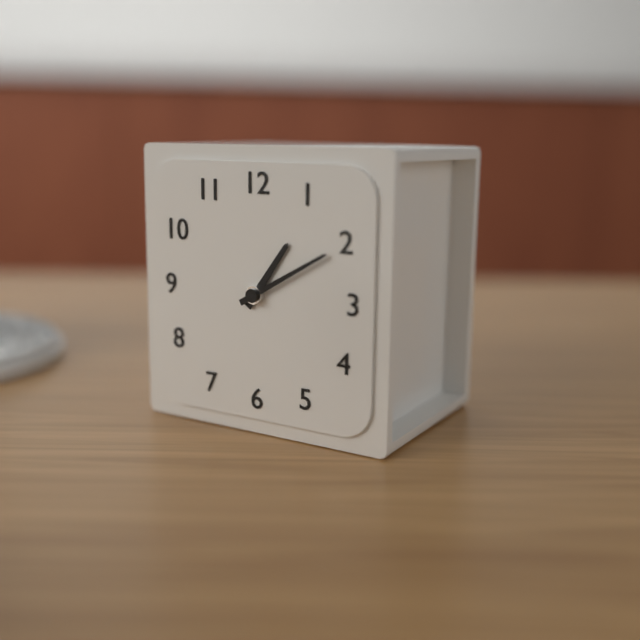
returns 1.10
